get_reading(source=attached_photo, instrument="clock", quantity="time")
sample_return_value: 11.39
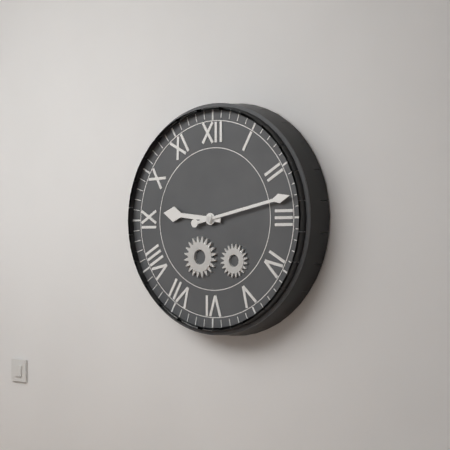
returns 9.13
